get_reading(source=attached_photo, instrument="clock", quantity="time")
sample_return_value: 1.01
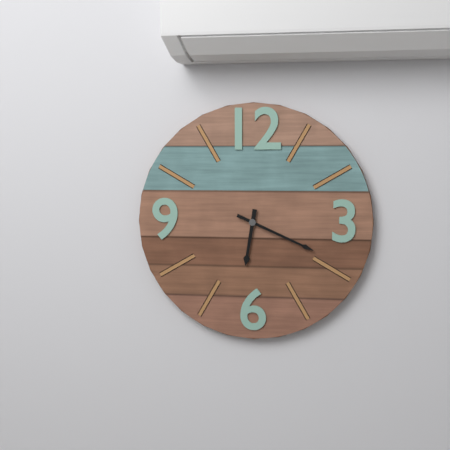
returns 6.19
